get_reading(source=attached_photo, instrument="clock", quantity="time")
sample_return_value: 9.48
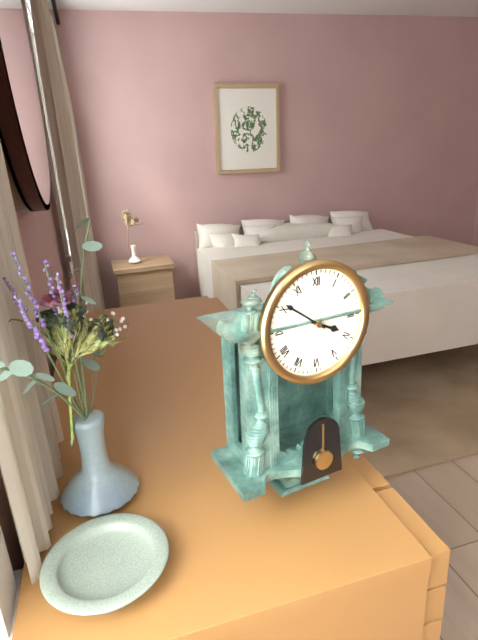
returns 3.51
